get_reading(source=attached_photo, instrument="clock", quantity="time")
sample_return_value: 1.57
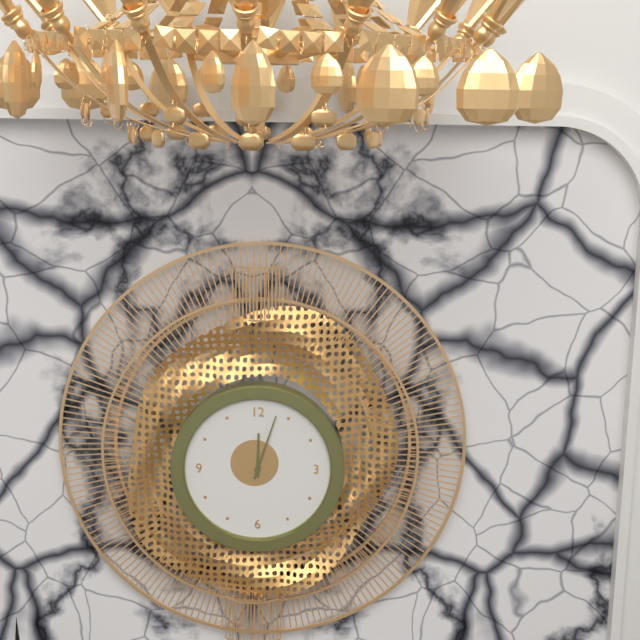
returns 12.03
